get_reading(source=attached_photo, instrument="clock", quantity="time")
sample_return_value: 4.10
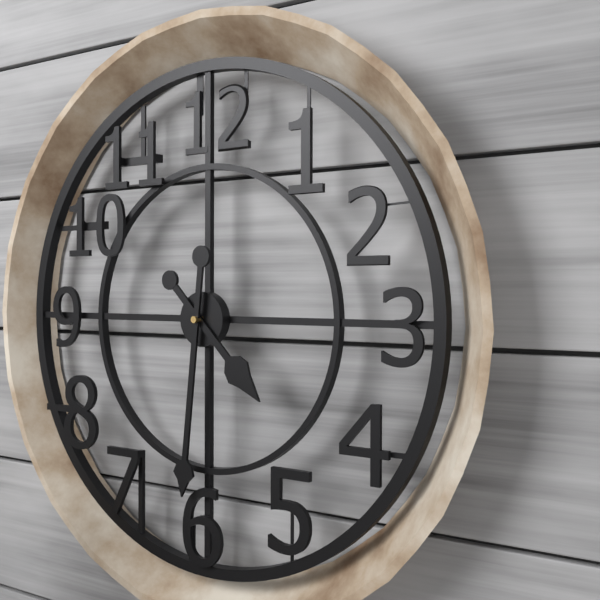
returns 4.31
